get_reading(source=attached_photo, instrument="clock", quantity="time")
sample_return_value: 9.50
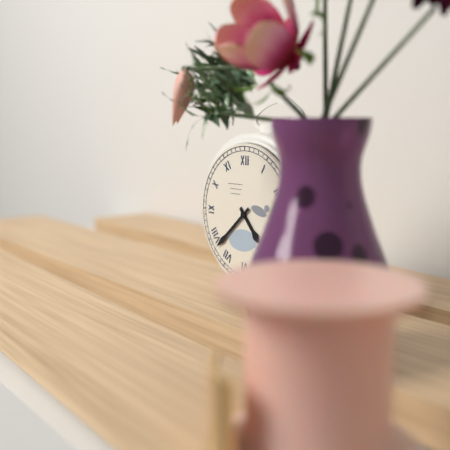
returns 4.38
